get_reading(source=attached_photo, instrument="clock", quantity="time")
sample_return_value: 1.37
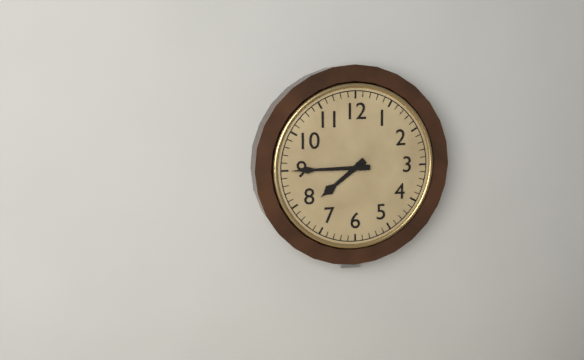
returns 7.45
